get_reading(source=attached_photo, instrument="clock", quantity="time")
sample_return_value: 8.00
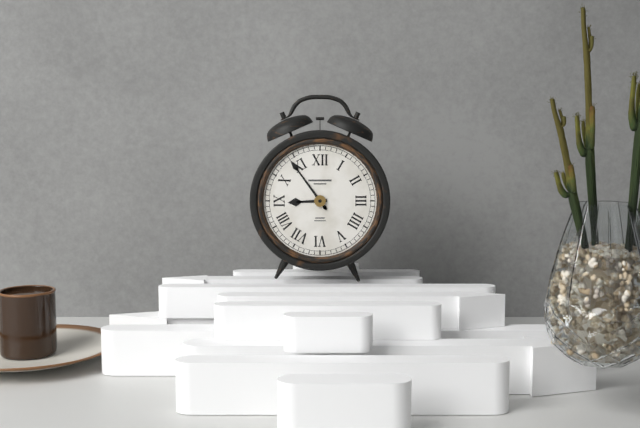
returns 8.54
